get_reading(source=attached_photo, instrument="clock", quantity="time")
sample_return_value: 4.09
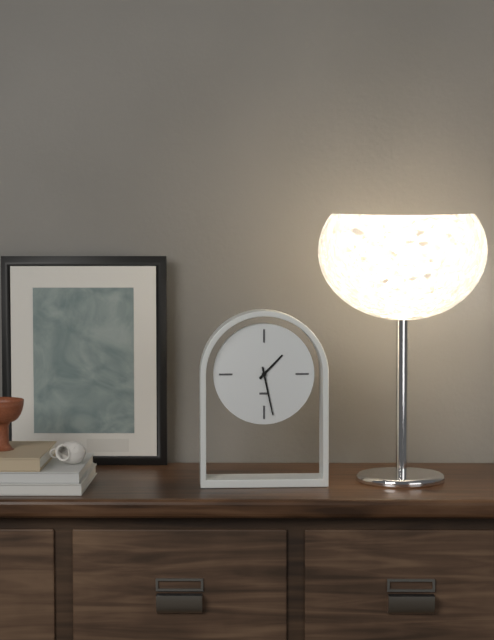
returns 1.28
